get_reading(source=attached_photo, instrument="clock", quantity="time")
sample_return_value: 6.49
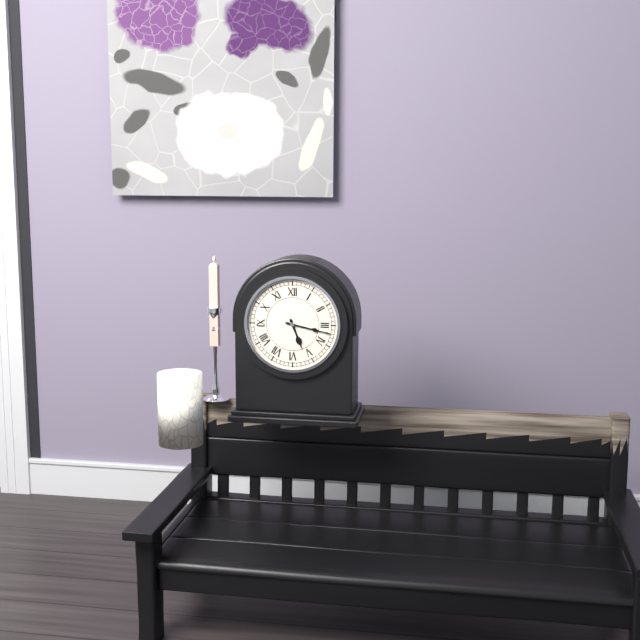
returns 5.17
